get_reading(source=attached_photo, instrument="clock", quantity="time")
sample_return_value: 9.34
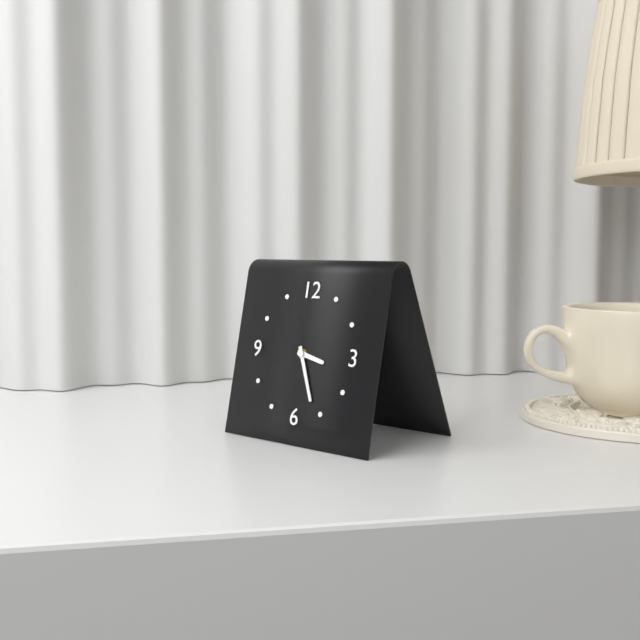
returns 3.26
